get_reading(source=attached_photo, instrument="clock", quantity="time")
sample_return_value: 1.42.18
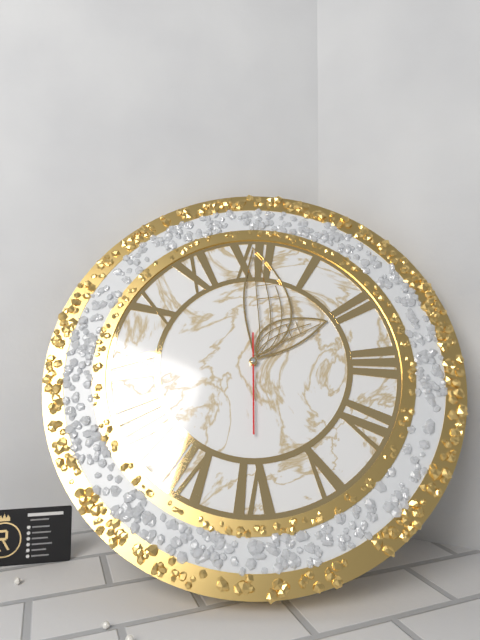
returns 2.00.30
